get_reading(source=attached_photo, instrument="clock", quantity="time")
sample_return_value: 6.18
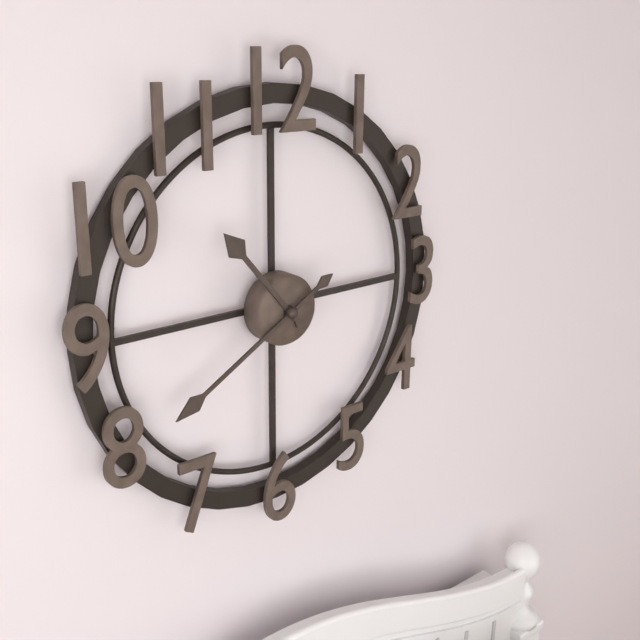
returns 10.40
